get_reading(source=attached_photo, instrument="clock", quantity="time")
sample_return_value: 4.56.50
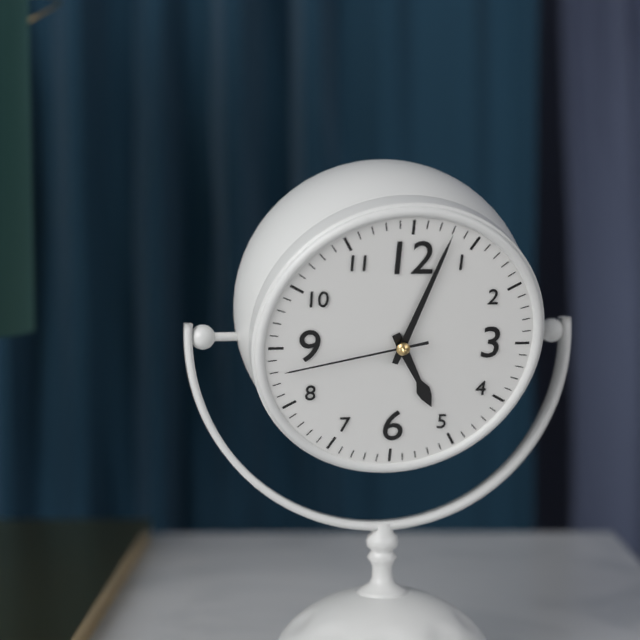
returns 5.03.43
